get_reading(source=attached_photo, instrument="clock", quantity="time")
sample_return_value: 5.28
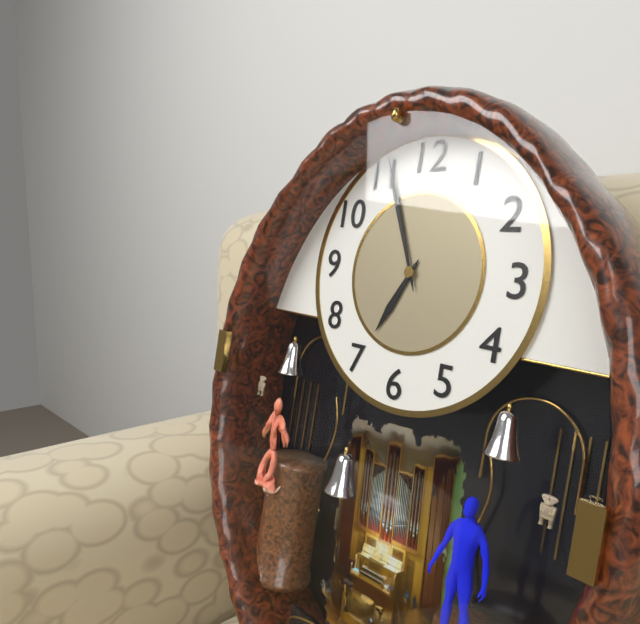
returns 6.56
